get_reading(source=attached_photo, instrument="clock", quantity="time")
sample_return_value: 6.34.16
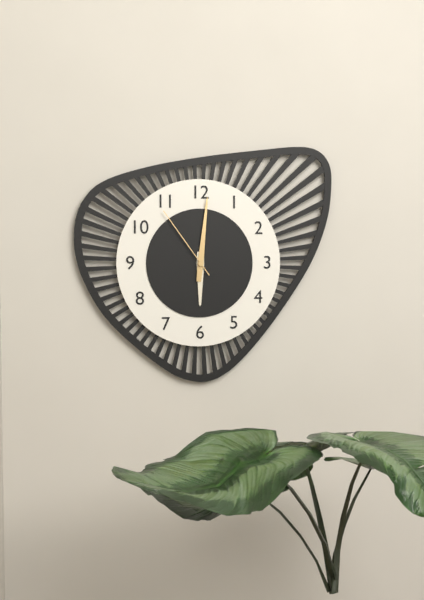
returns 6.01.54
